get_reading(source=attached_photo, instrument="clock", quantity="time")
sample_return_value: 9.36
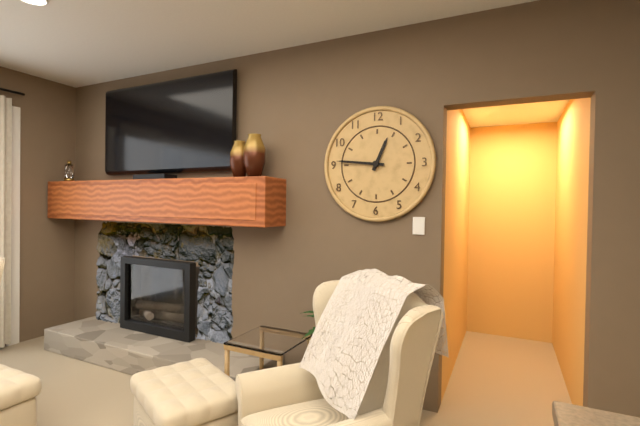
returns 12.46
